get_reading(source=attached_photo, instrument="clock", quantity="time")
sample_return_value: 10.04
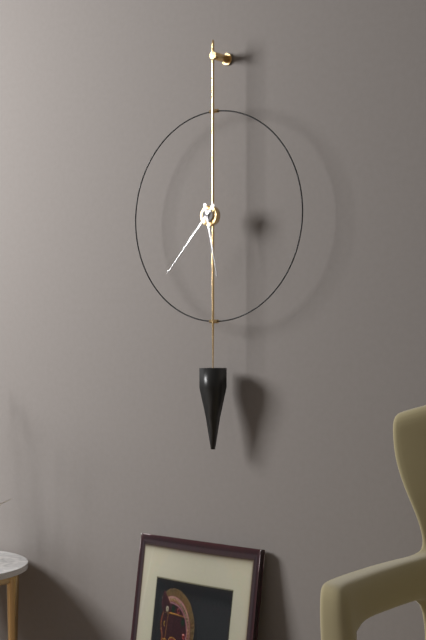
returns 5.37
